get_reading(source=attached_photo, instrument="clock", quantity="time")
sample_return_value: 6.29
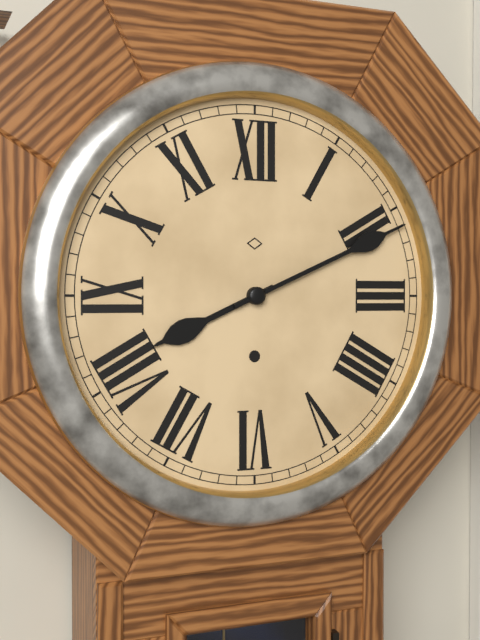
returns 8.11
